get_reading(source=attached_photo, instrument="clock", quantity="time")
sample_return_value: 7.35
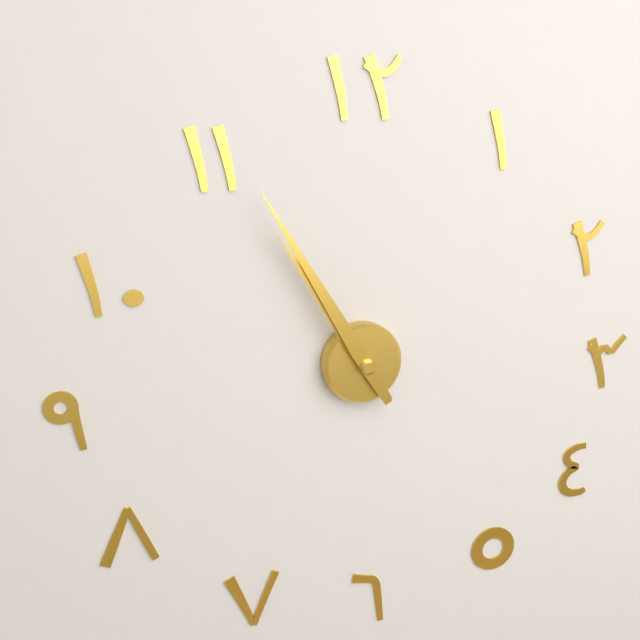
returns 10.55
